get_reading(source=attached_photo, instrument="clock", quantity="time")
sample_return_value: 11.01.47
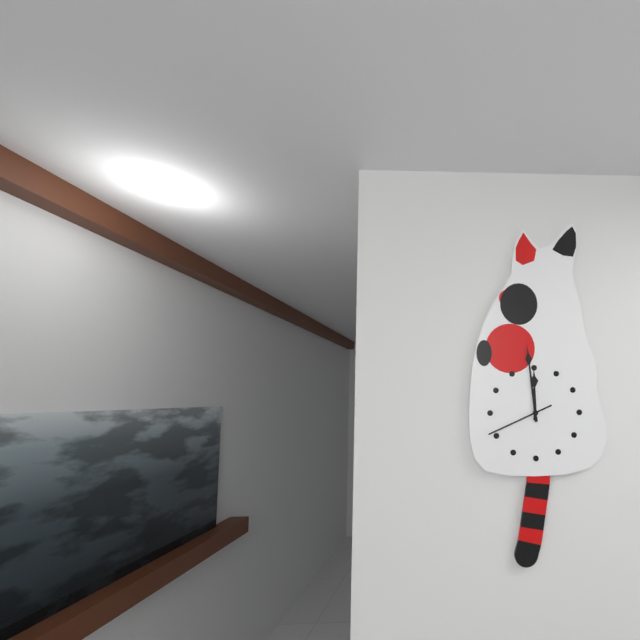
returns 11.59.41
